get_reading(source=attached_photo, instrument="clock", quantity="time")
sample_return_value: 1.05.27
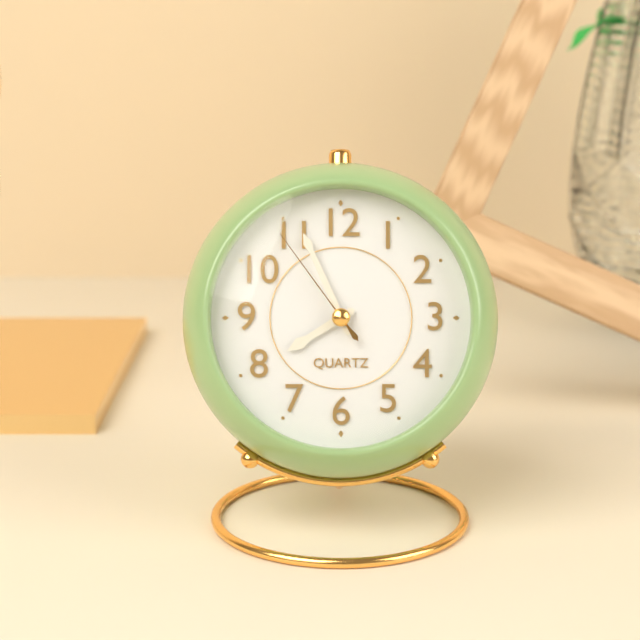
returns 7.56.54
